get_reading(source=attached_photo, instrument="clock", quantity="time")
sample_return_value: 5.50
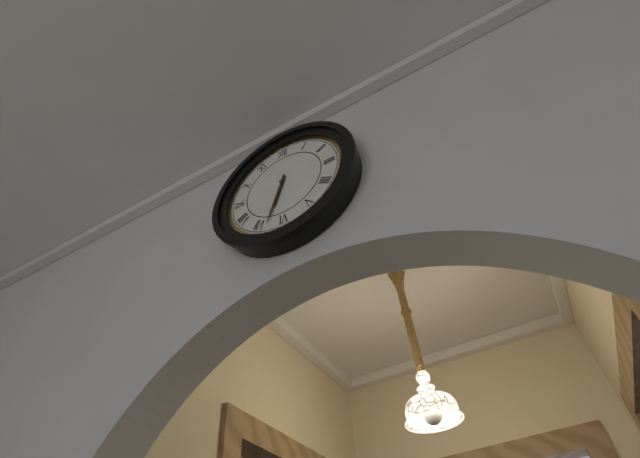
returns 6.33
